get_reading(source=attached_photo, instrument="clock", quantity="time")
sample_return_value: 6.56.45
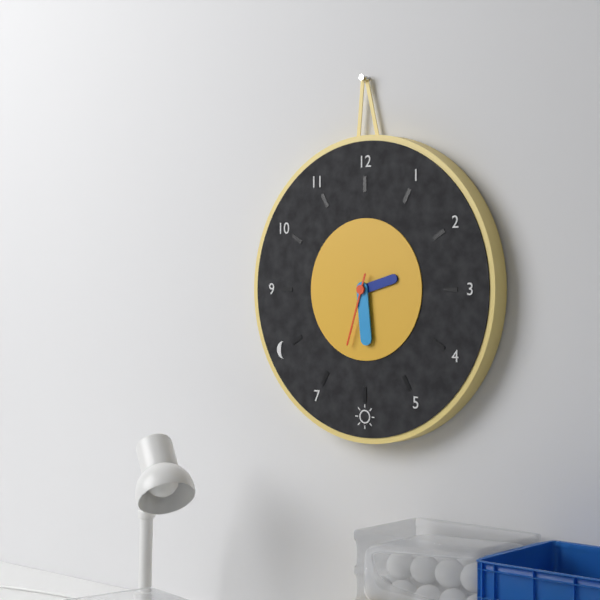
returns 2.29.33
